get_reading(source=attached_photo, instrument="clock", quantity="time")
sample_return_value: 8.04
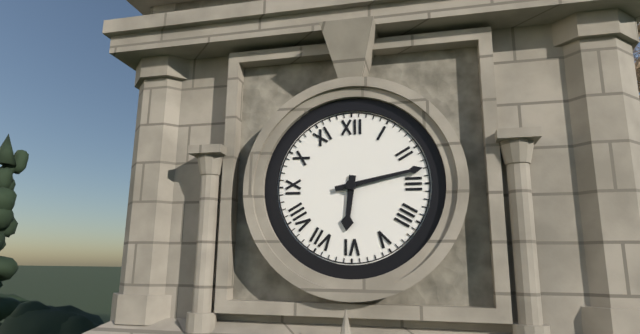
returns 6.13
